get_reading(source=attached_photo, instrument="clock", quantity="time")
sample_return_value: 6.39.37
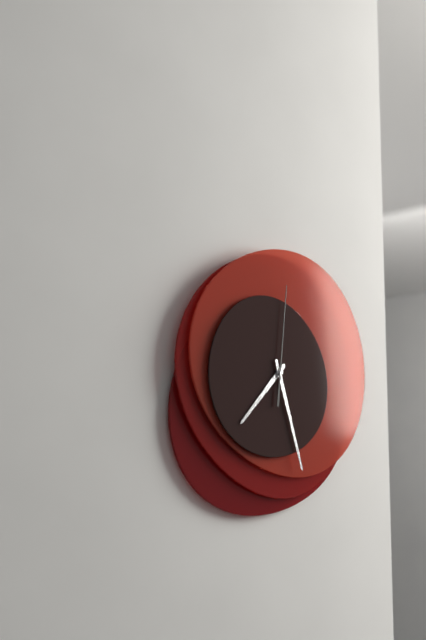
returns 7.27.01
